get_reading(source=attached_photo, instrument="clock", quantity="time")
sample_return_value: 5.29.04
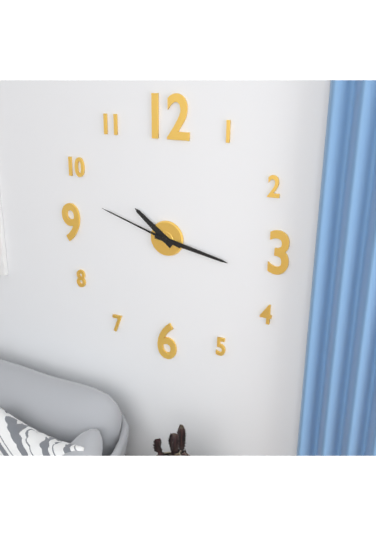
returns 10.17.48
